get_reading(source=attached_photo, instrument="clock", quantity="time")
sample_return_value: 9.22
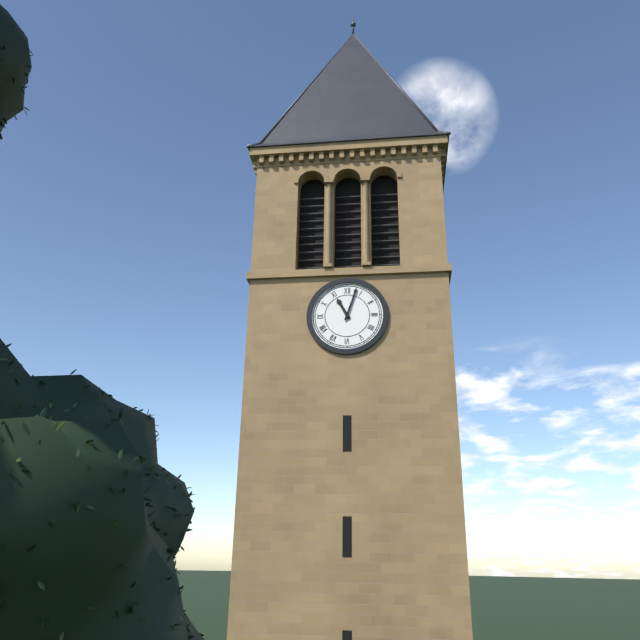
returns 11.03
